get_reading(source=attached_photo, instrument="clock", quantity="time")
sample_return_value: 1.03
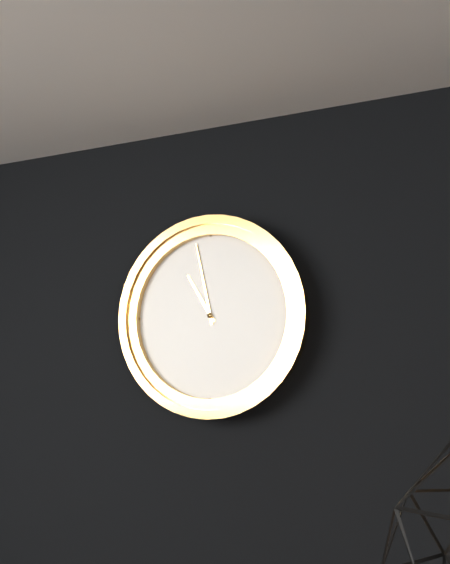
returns 10.58
